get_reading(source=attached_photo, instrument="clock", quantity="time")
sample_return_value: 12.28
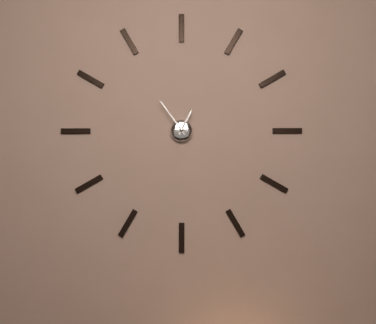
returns 12.54
